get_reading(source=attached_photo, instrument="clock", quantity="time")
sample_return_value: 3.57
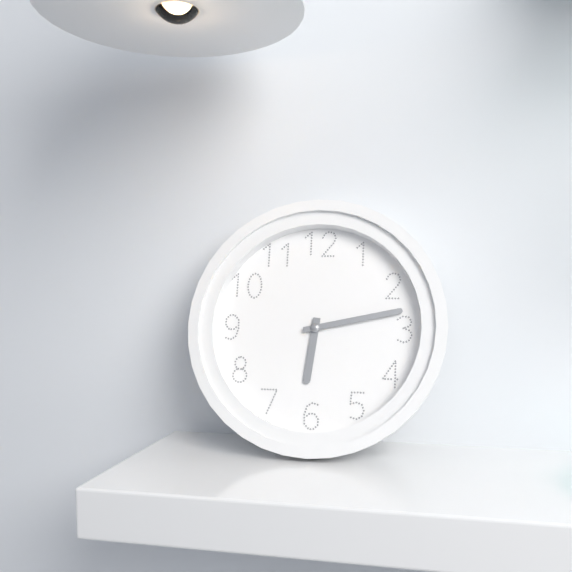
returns 6.13
